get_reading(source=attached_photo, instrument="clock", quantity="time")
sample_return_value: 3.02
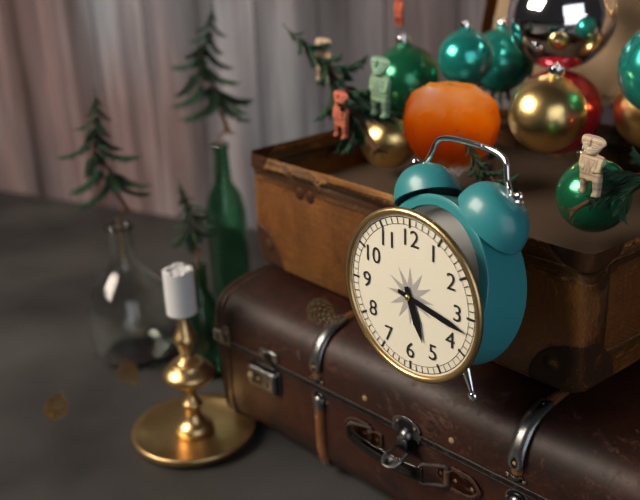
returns 5.17
